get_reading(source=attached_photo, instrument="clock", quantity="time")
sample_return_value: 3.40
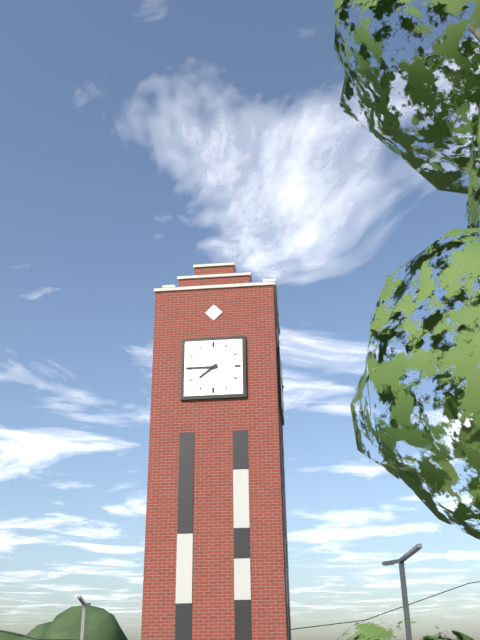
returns 7.45
